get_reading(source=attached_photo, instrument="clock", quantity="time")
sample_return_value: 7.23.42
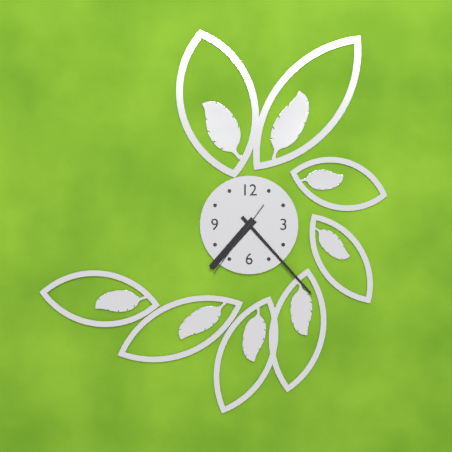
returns 7.23.36
